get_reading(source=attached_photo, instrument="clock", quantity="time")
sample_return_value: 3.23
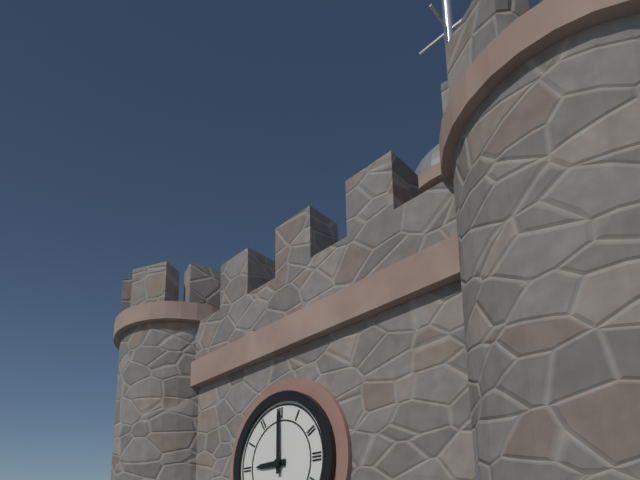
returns 9.00
